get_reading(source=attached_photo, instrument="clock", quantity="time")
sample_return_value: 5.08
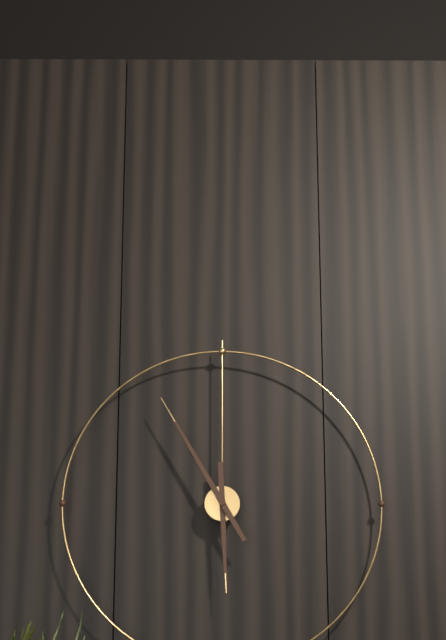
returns 5.55
